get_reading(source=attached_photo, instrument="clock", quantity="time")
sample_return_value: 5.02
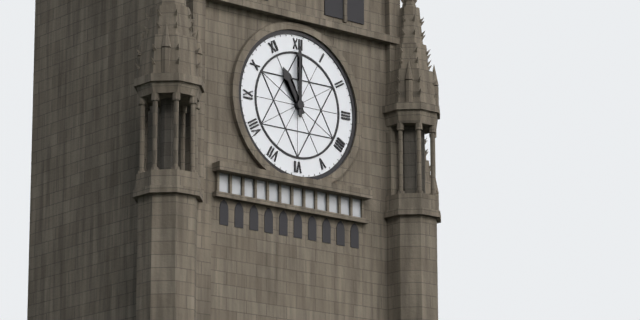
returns 11.00
